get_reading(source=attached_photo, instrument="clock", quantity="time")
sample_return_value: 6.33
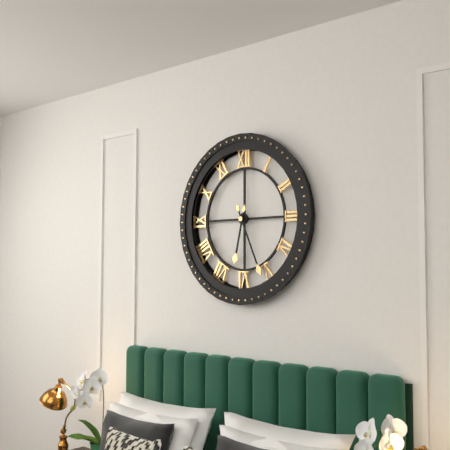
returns 6.26
